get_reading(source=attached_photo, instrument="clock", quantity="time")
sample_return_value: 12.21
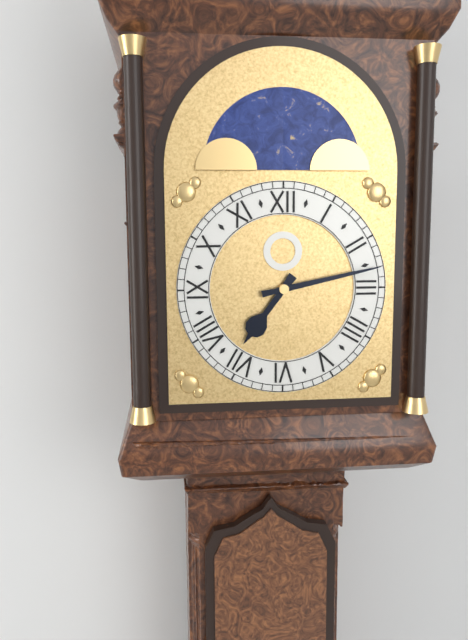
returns 7.13
